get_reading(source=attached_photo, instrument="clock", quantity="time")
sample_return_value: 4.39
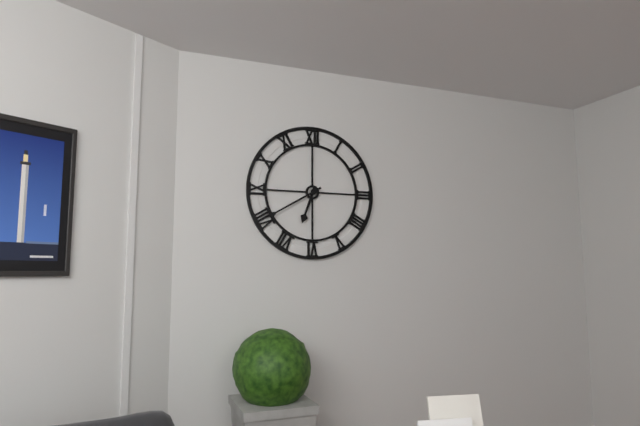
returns 6.40
